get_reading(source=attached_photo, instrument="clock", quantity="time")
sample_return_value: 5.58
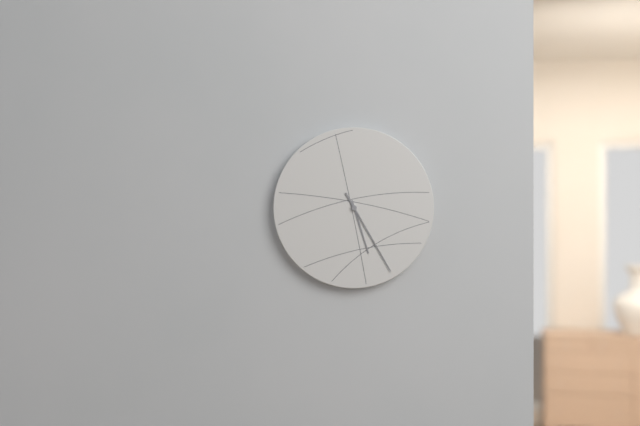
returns 5.25
